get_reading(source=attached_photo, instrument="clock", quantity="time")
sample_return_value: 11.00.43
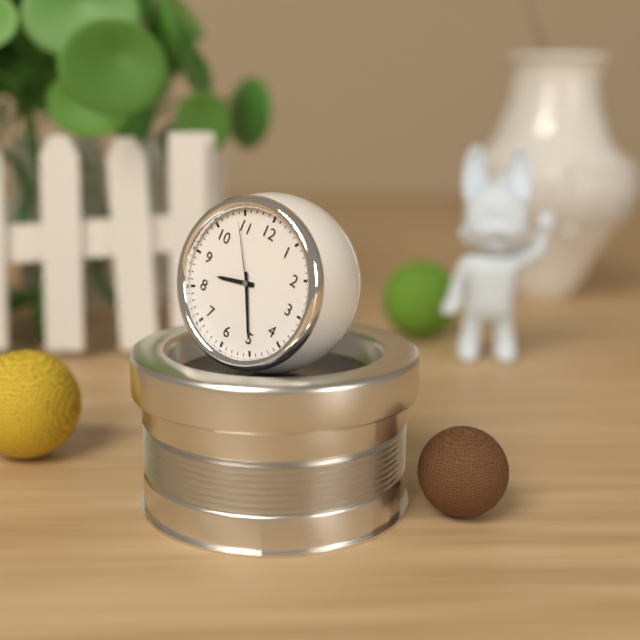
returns 8.25.54
